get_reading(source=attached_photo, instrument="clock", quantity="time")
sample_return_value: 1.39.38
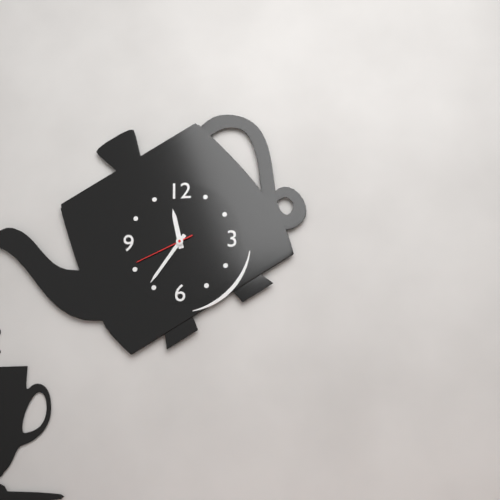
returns 11.36.41
